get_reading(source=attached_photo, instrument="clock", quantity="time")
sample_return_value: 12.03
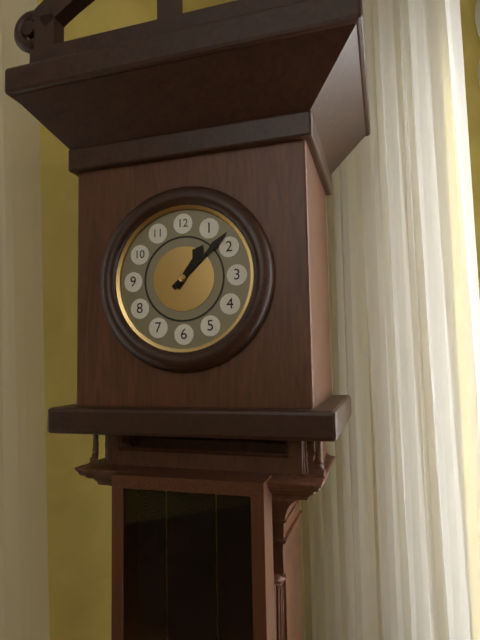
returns 1.08
